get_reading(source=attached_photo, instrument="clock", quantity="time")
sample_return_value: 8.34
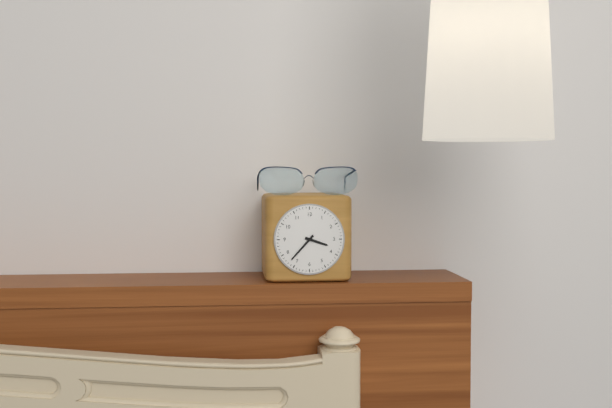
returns 3.37
